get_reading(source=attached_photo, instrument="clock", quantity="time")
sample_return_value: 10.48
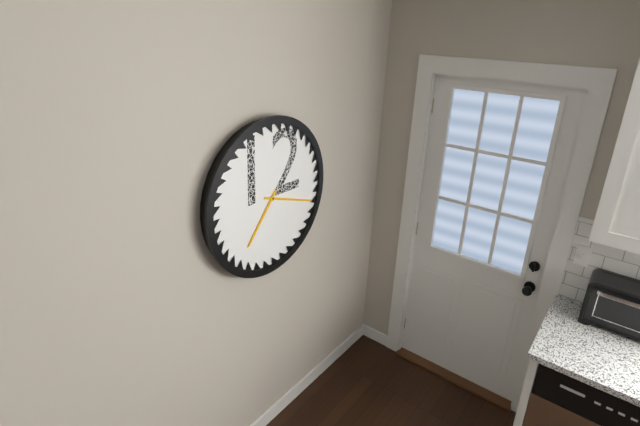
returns 7.18
